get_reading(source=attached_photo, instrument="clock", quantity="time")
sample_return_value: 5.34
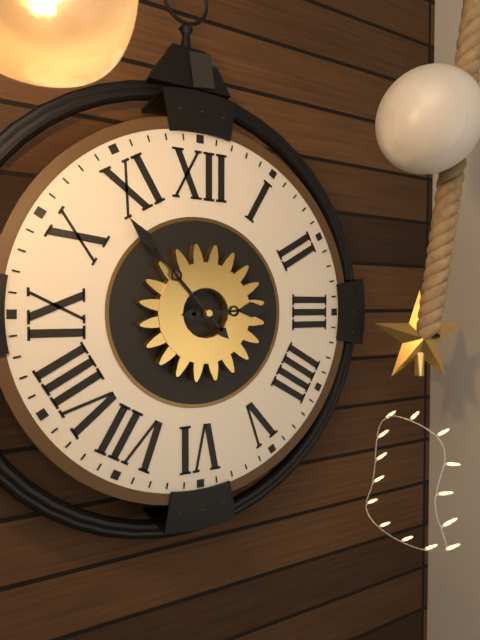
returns 2.53
